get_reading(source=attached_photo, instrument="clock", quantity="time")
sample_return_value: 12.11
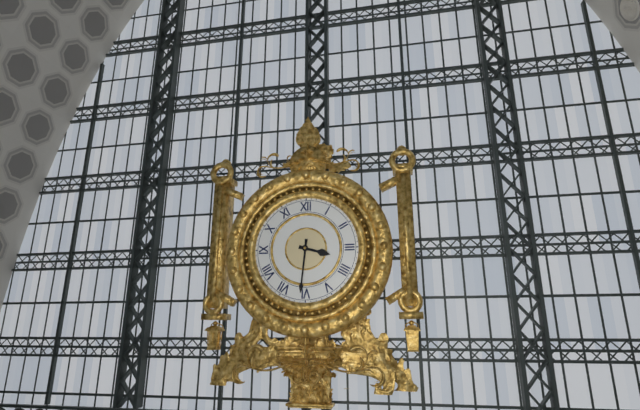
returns 3.31
